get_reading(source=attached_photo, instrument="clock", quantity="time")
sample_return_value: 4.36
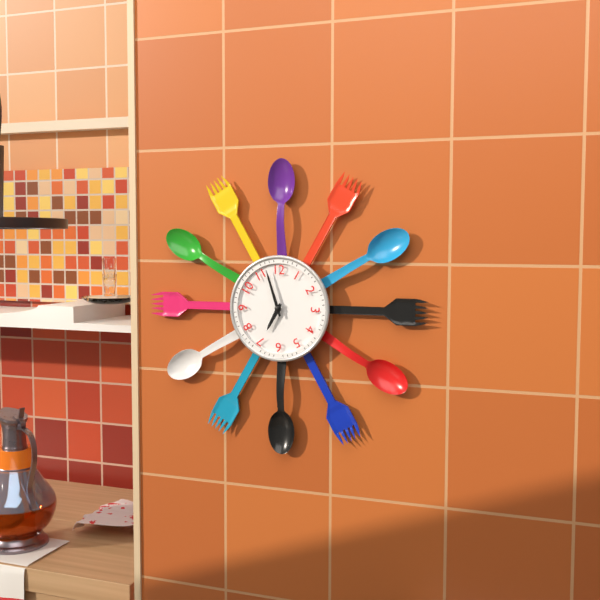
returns 6.57
